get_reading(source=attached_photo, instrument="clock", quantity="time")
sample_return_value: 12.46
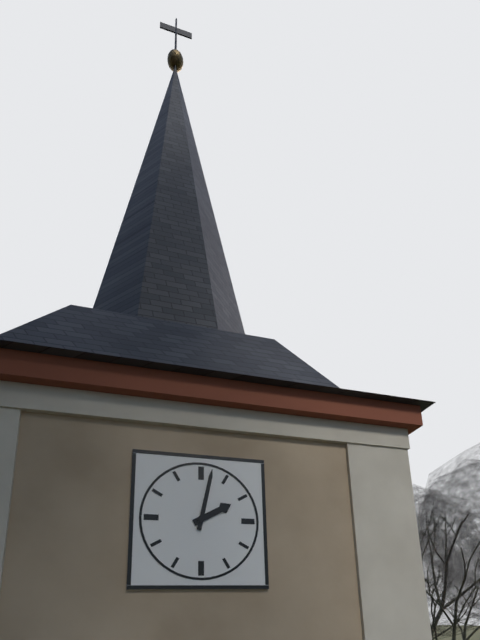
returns 2.02
